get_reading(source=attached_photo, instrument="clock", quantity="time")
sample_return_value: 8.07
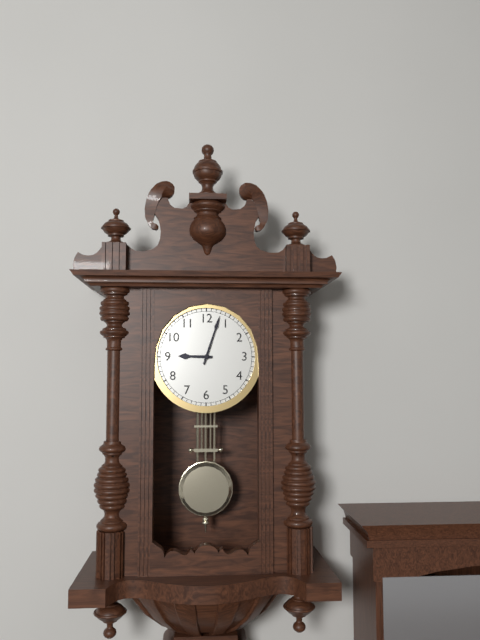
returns 9.03
